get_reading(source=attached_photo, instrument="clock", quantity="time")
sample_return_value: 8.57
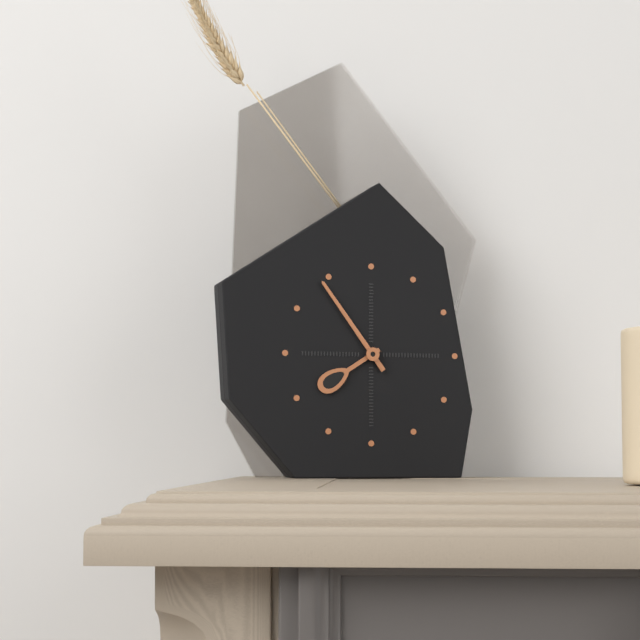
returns 7.54
